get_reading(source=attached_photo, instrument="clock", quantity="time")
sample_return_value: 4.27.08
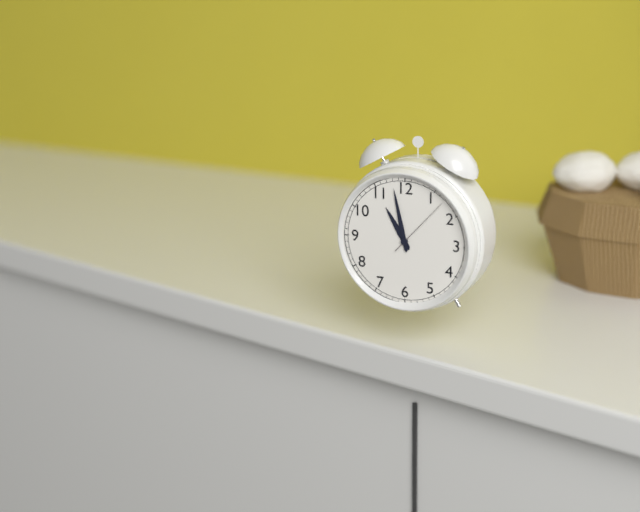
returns 10.58.07
